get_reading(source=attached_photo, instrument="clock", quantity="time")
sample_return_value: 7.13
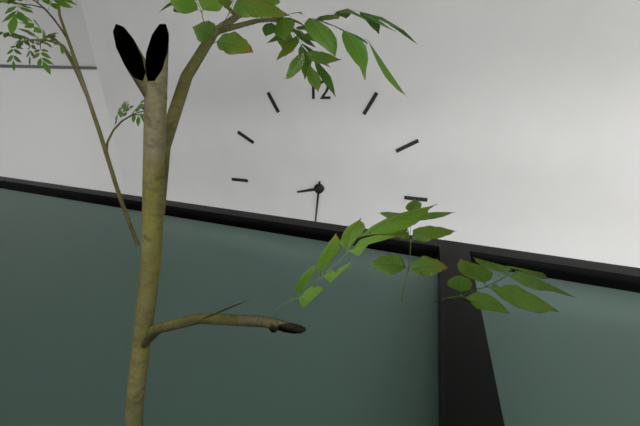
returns 8.31
